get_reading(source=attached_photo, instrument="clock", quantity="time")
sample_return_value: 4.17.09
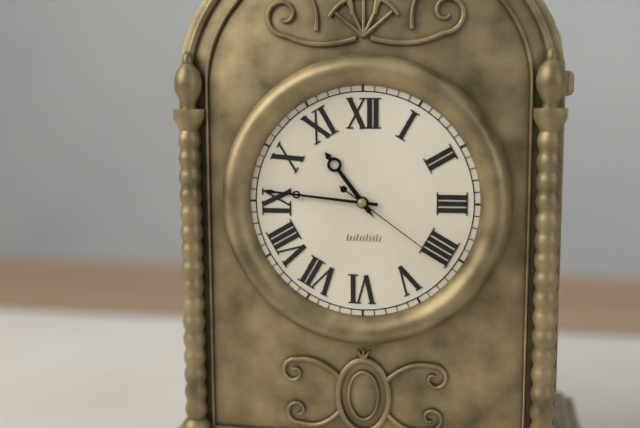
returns 10.46.21
